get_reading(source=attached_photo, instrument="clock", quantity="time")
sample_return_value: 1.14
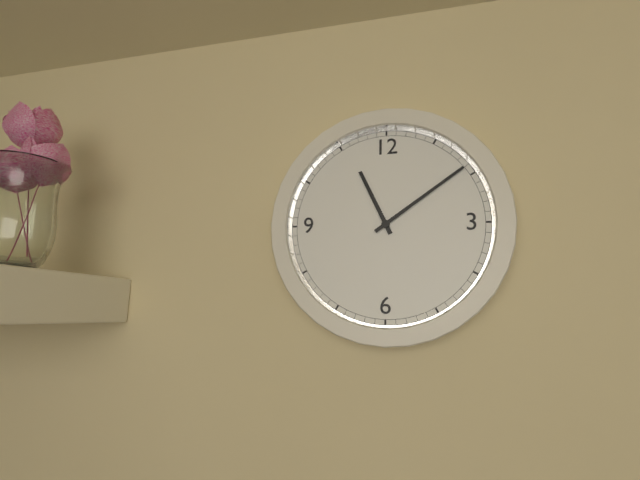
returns 11.09
